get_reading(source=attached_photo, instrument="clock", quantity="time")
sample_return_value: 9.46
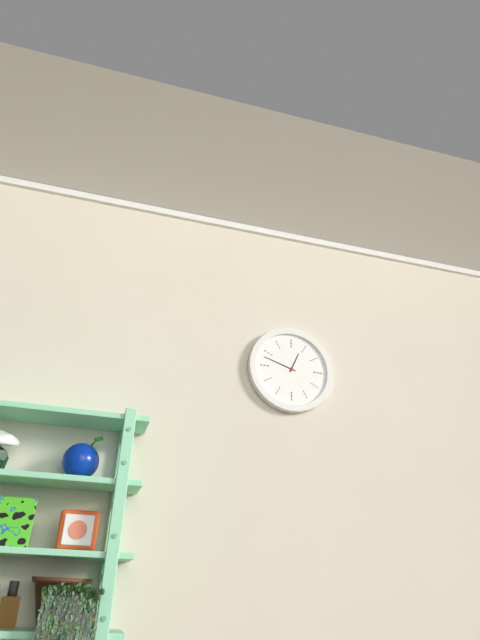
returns 12.48
